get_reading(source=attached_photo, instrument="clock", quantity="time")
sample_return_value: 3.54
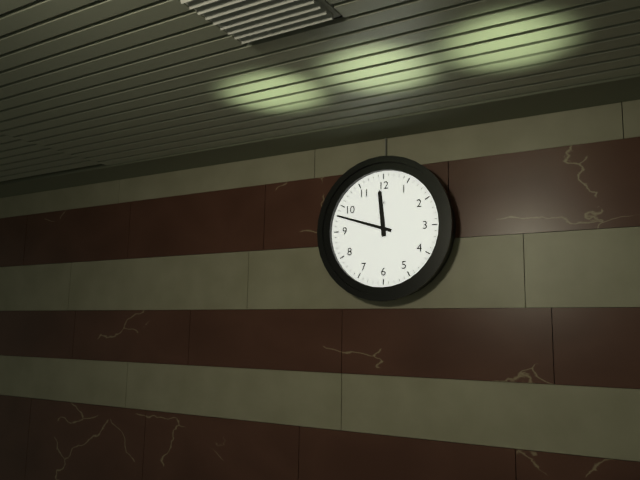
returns 11.48
